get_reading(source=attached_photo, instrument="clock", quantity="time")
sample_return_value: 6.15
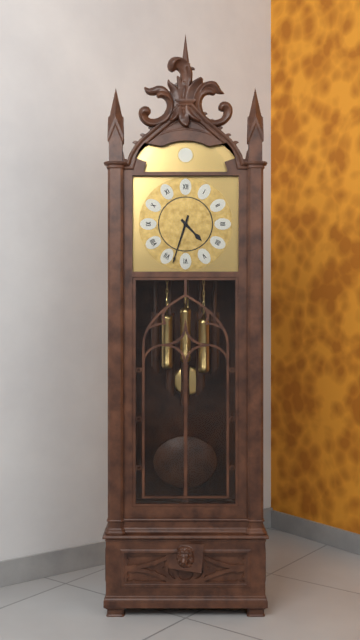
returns 4.33
